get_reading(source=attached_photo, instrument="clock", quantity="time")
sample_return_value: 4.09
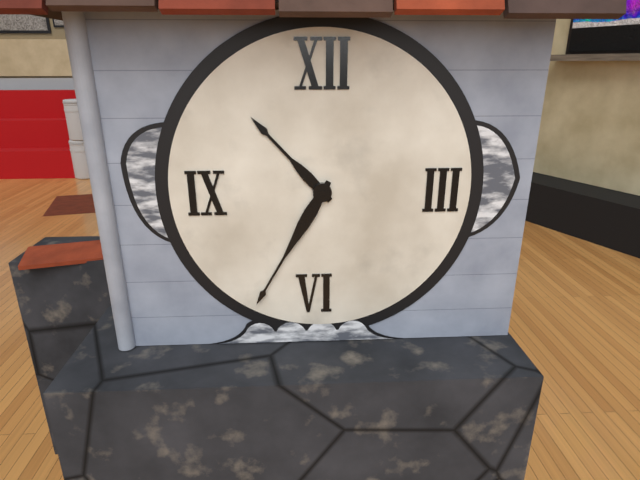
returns 10.35
